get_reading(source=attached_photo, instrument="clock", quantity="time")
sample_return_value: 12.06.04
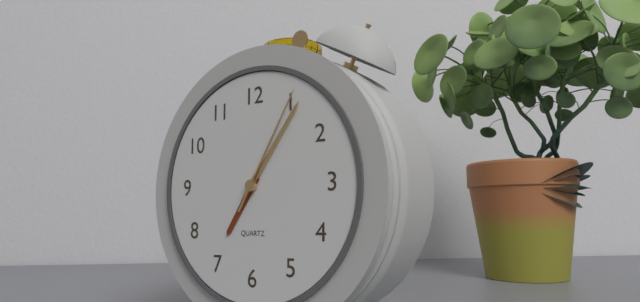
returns 7.06.05
